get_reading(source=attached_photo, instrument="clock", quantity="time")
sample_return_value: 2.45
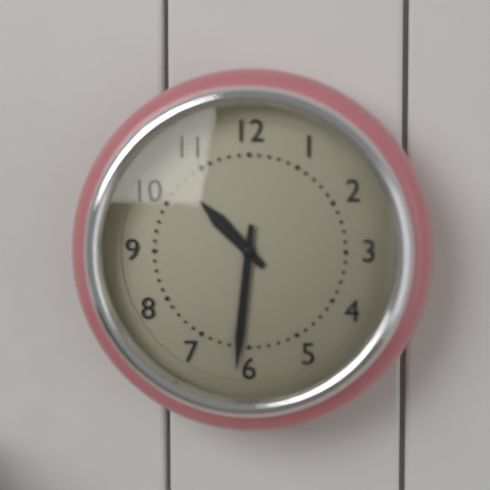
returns 10.31
